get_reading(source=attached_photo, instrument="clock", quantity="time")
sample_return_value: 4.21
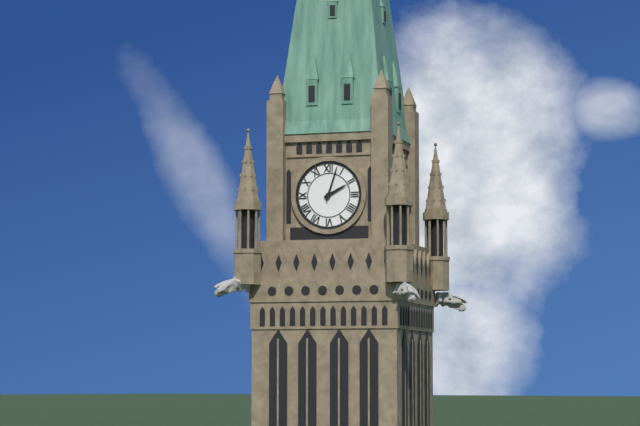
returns 2.03
